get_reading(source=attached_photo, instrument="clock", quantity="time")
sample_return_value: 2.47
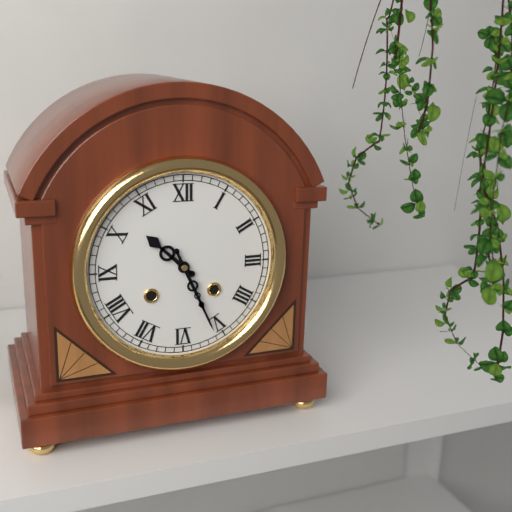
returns 10.26
